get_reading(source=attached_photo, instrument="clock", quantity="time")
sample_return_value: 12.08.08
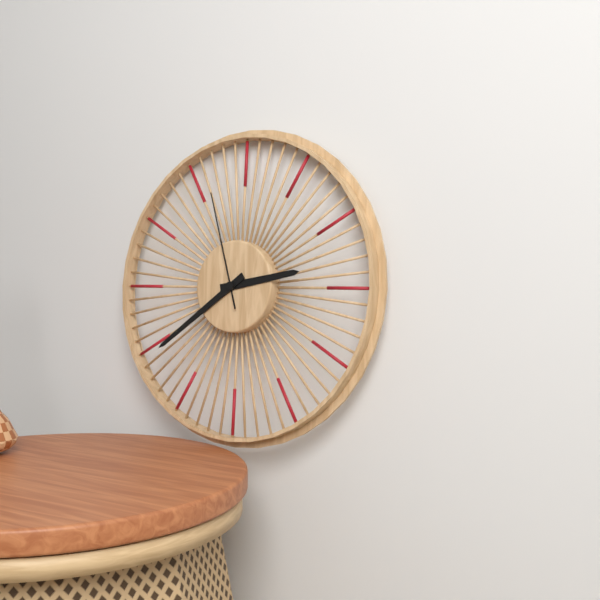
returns 2.39.57
